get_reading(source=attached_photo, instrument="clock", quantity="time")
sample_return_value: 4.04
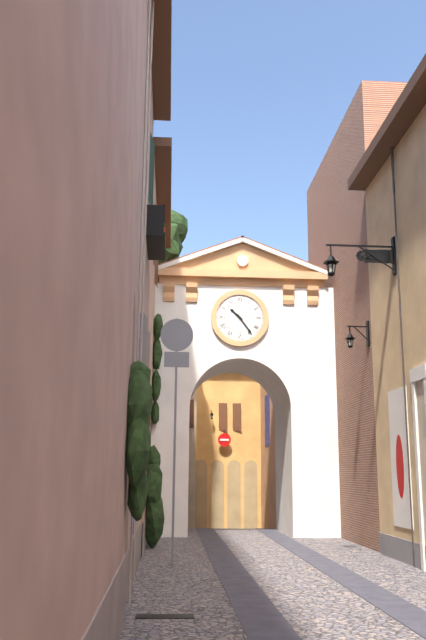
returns 10.24
